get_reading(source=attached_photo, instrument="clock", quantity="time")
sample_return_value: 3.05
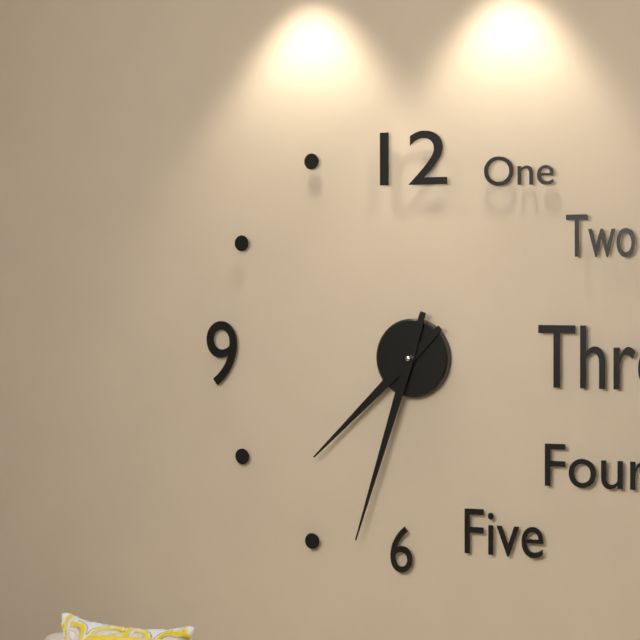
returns 7.33
